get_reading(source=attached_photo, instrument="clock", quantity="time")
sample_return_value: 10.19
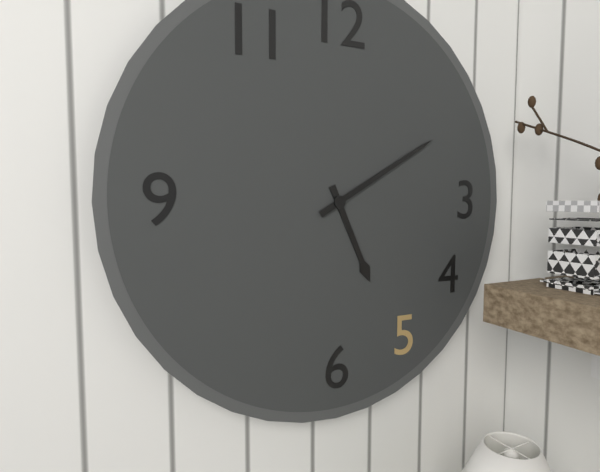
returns 5.10
